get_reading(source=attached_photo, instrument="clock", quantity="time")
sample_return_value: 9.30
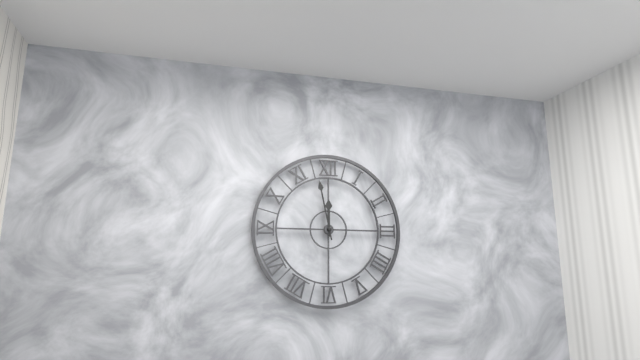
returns 11.58
